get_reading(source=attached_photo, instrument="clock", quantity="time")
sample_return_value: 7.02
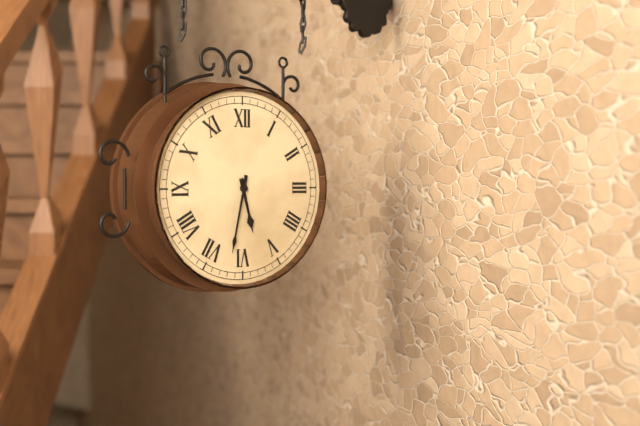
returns 5.32
